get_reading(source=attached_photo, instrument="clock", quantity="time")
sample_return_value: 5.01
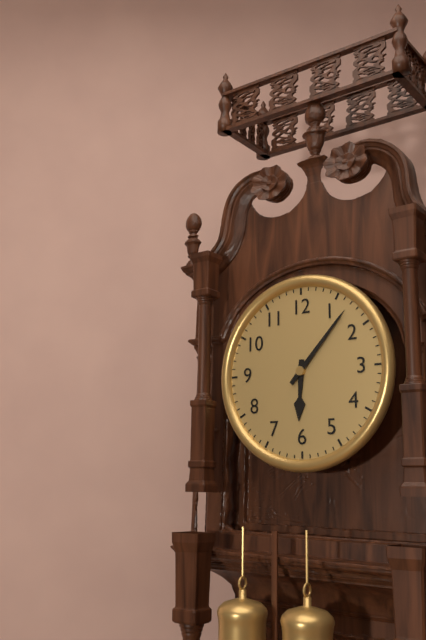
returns 6.07
